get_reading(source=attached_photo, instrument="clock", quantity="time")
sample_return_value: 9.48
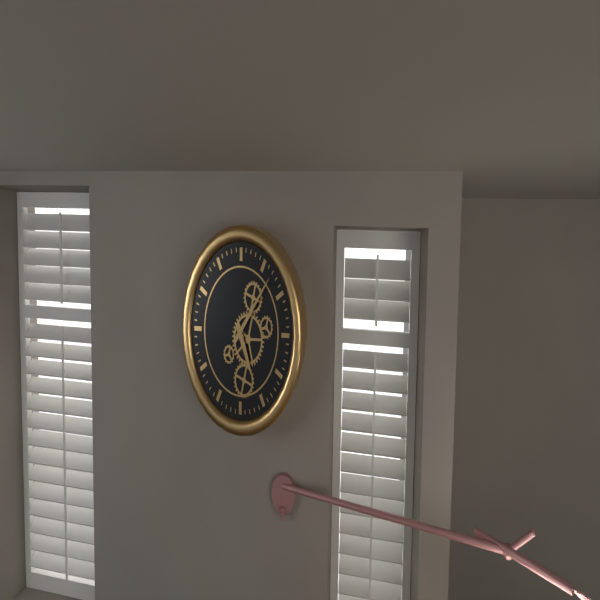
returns 5.07
